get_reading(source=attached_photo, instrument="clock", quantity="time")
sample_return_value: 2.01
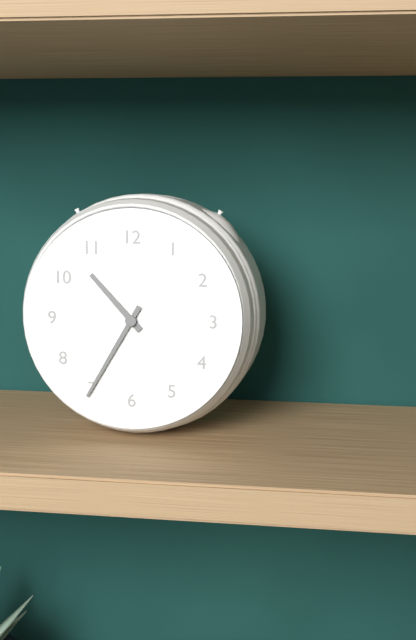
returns 10.35
